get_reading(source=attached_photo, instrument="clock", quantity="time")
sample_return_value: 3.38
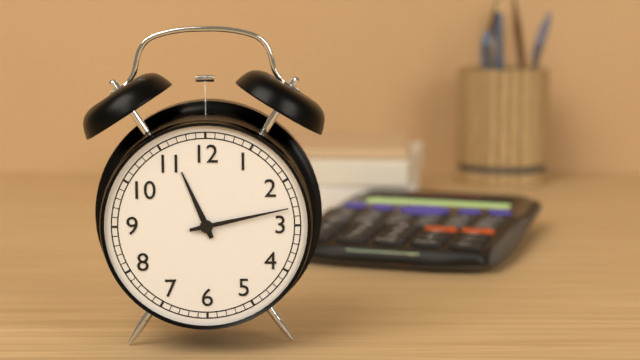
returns 11.13
